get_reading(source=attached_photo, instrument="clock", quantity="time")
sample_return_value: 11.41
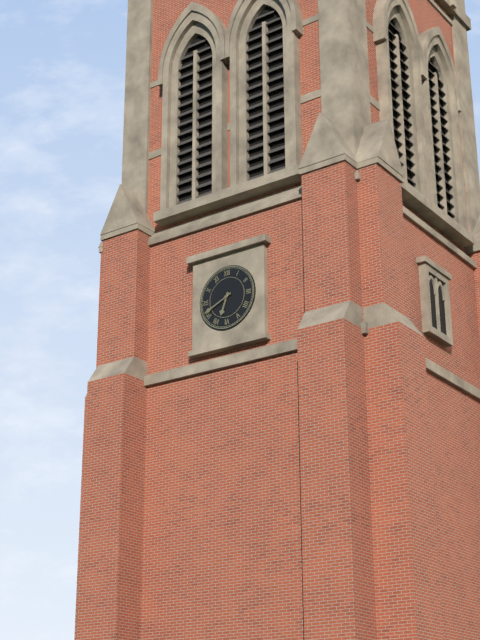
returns 6.41
